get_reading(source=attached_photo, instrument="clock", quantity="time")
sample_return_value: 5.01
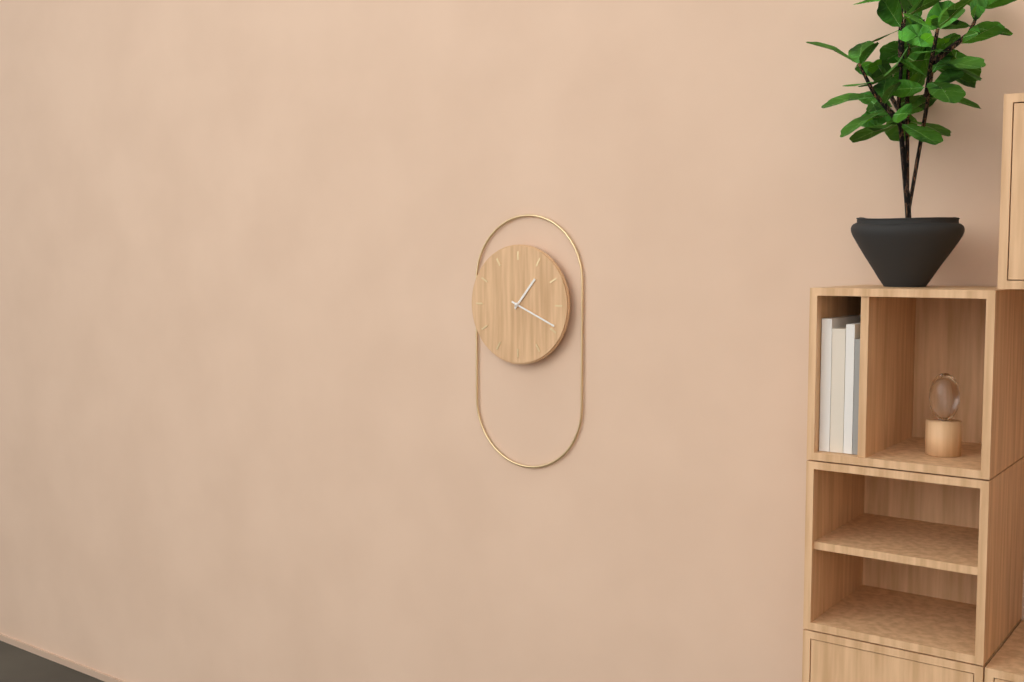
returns 1.19
